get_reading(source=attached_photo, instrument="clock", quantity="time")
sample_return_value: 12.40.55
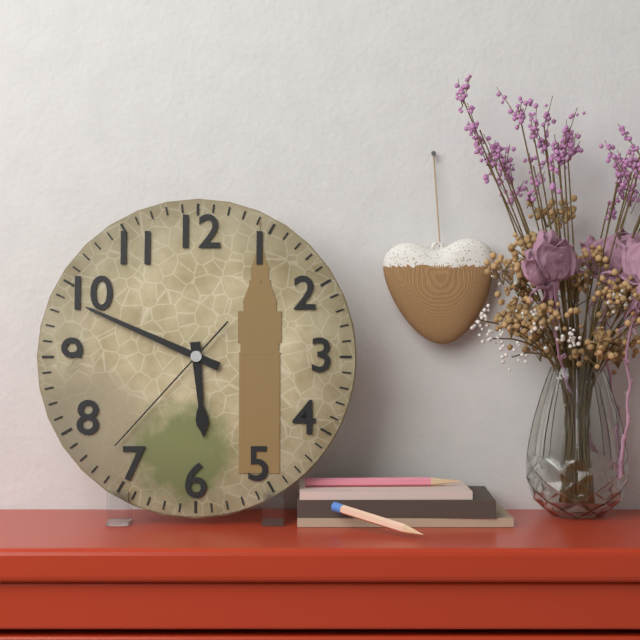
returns 5.49.37
